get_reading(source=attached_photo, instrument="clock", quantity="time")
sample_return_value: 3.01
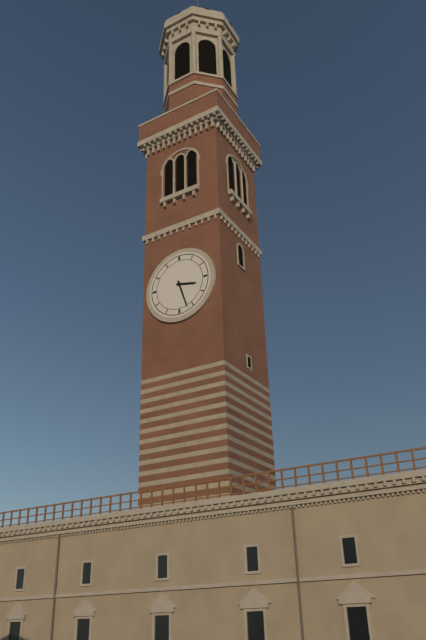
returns 3.27
